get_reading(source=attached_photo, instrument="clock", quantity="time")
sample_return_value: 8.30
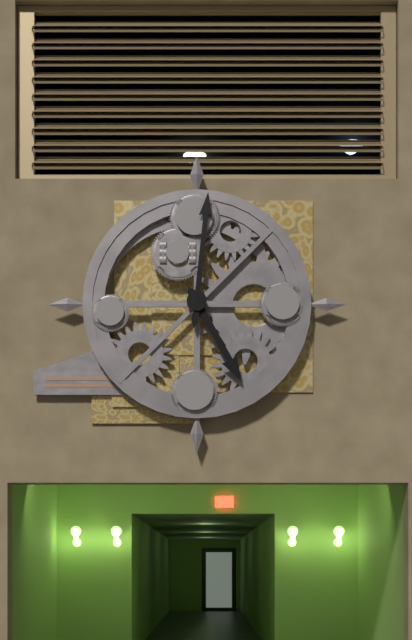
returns 5.01
